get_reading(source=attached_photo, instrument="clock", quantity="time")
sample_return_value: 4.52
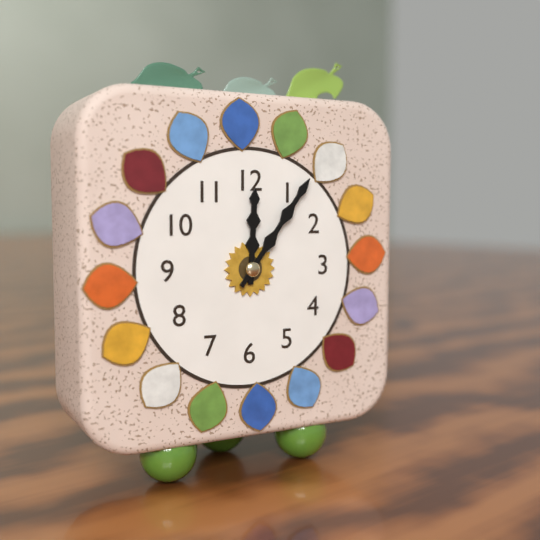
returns 12.06
